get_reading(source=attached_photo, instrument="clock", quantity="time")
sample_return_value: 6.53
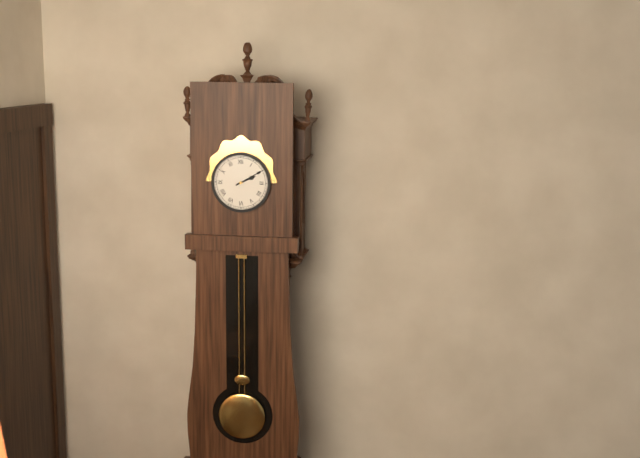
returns 2.10
